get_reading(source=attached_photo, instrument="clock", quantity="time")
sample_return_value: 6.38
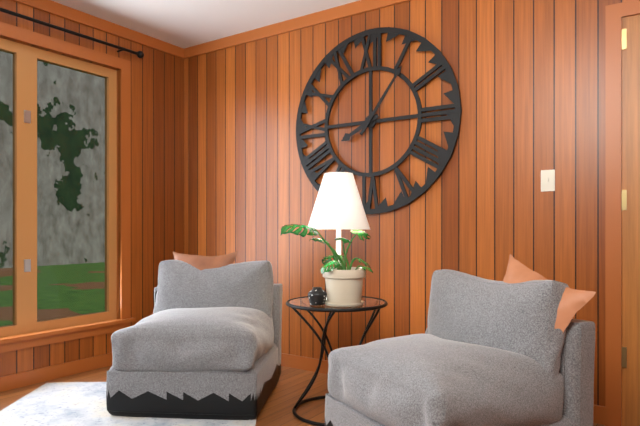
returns 8.06
